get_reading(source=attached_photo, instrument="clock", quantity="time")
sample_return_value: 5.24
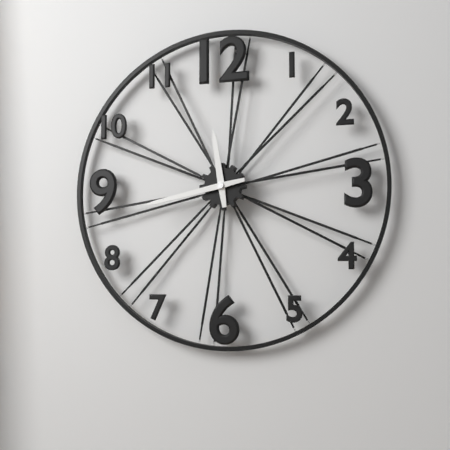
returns 11.43
